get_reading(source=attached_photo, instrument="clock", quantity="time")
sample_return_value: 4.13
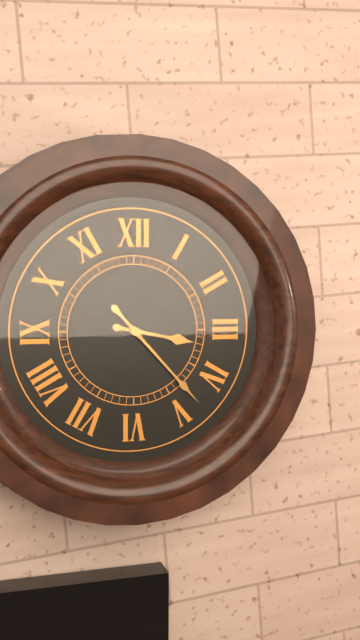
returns 3.23
